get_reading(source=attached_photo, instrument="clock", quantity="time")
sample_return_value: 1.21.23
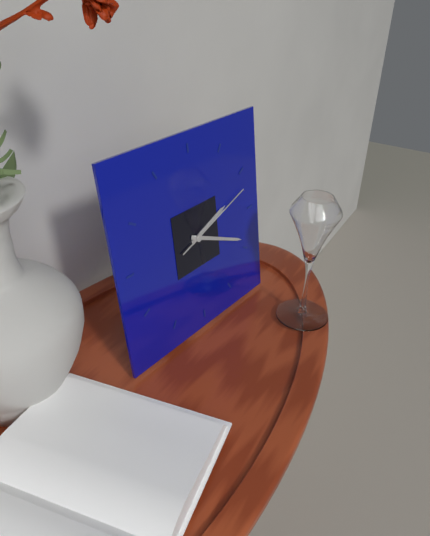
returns 2.19.12
